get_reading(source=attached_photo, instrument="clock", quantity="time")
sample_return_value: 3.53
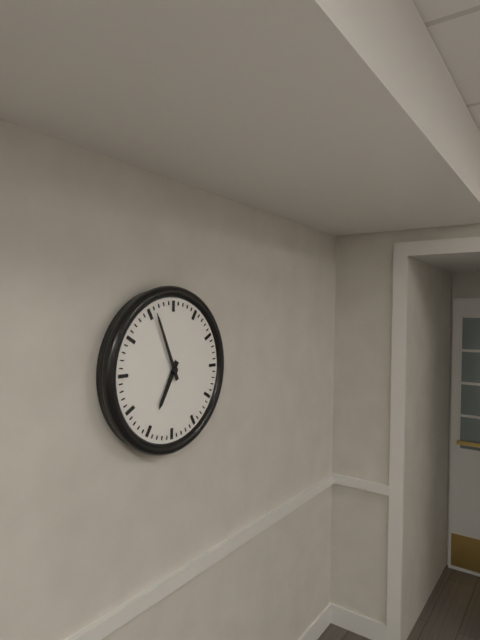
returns 6.56
